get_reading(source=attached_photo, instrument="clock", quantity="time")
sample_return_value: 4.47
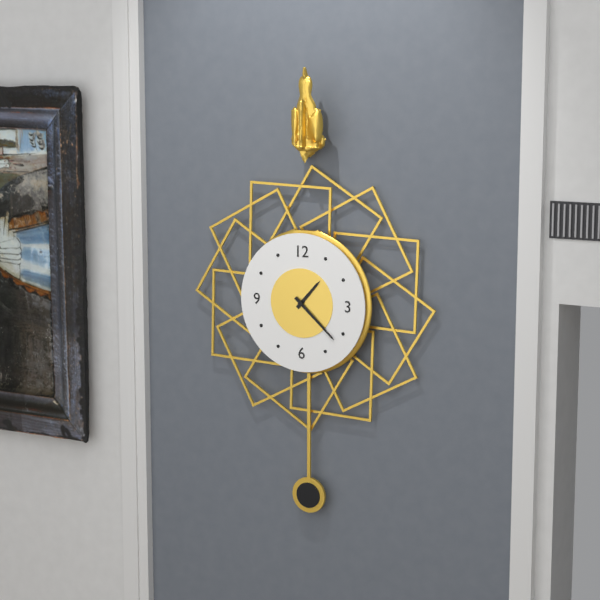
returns 1.22
